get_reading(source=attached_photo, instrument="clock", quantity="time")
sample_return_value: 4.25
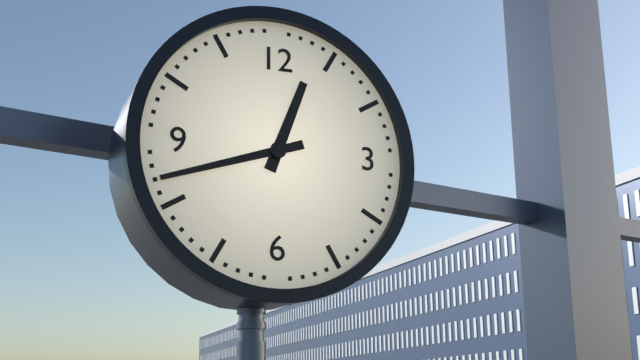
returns 12.42
